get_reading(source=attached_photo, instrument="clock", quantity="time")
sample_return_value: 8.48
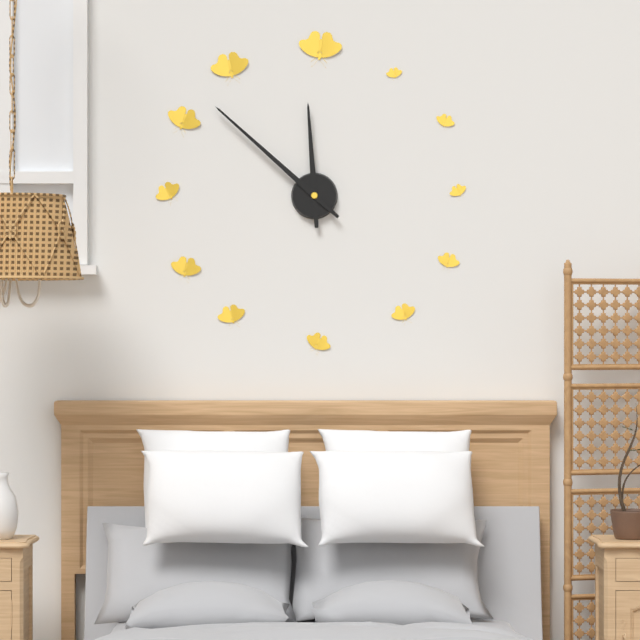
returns 11.52
